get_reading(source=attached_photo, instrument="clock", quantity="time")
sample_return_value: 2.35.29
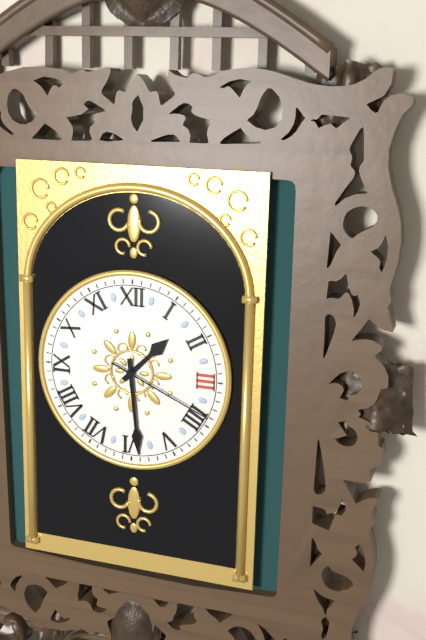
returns 1.29.19
